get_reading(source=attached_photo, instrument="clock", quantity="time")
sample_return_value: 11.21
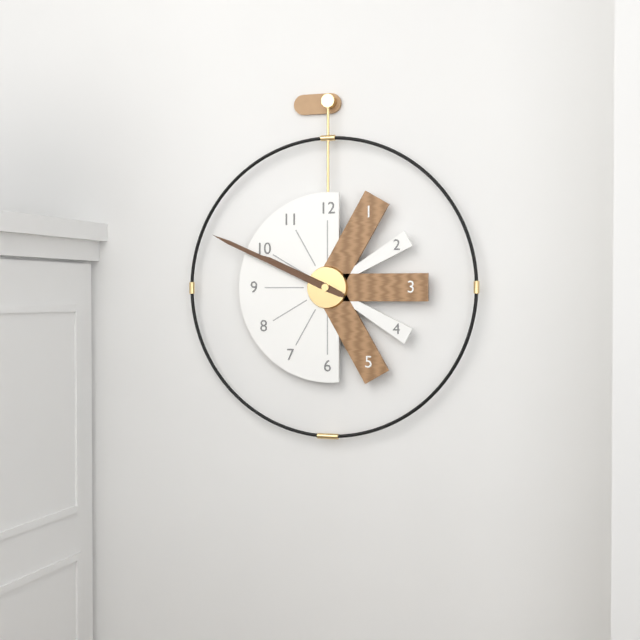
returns 9.49
